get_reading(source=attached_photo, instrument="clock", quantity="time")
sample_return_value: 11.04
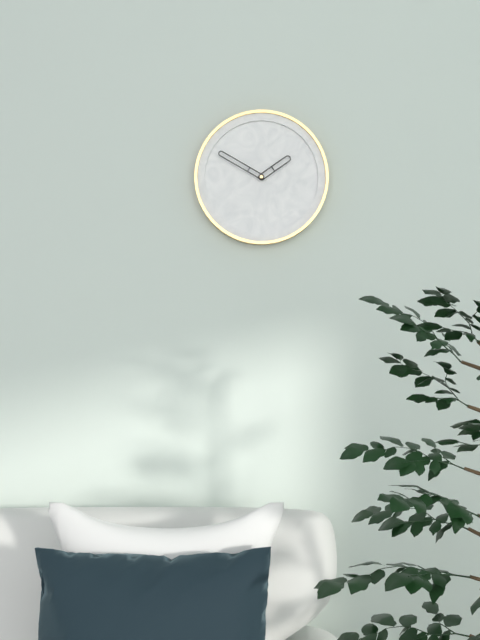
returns 1.50
